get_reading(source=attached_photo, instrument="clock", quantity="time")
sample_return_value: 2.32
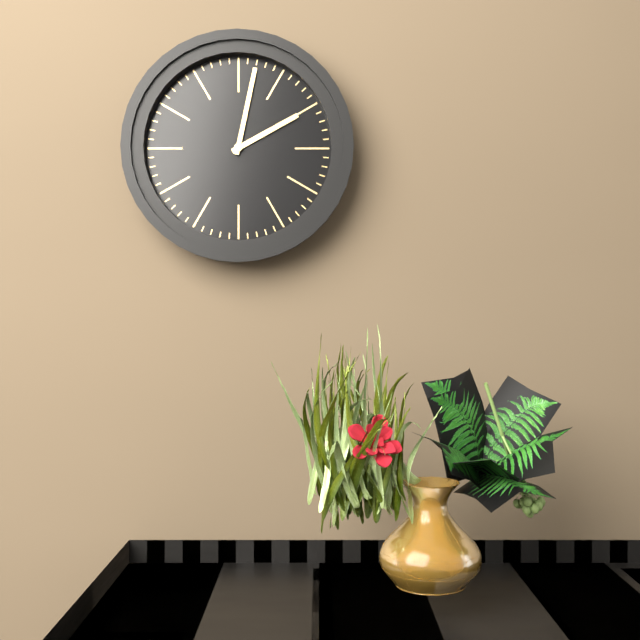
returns 2.02
